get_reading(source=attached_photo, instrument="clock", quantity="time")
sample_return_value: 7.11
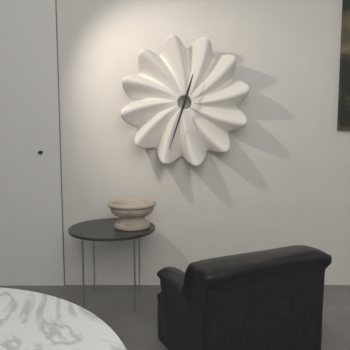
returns 12.33
